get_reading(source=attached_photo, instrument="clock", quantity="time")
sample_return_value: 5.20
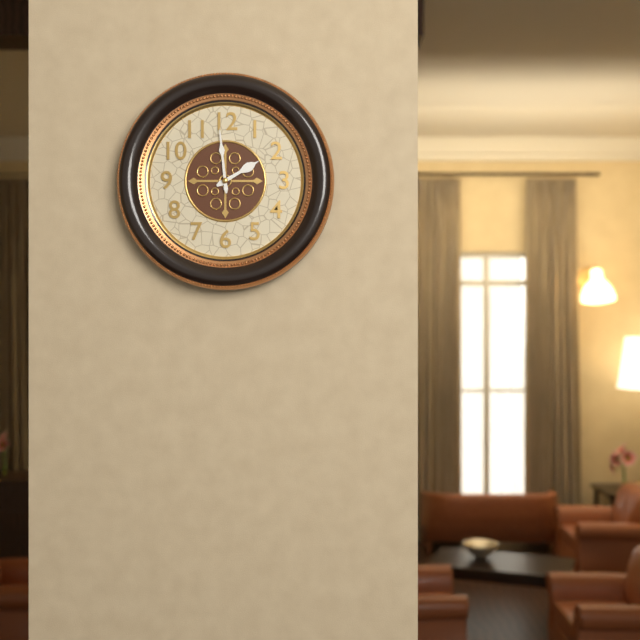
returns 1.59
